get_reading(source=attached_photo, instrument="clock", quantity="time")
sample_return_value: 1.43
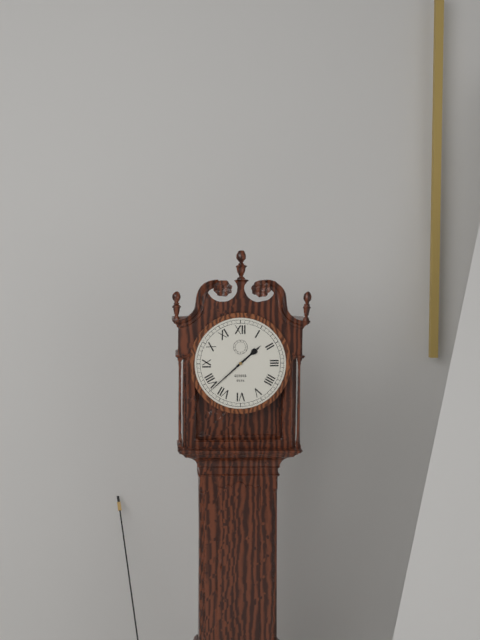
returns 1.38
